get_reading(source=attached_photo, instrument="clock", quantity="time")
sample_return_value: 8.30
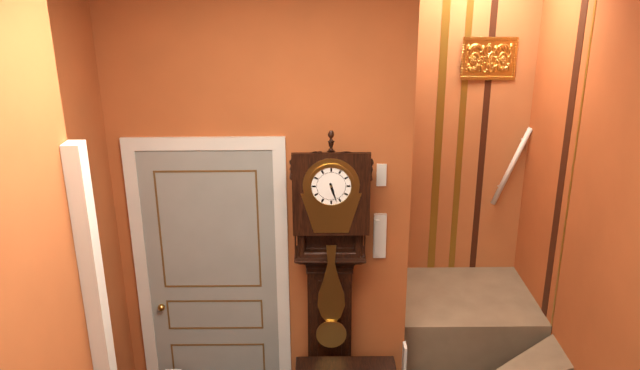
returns 5.27
